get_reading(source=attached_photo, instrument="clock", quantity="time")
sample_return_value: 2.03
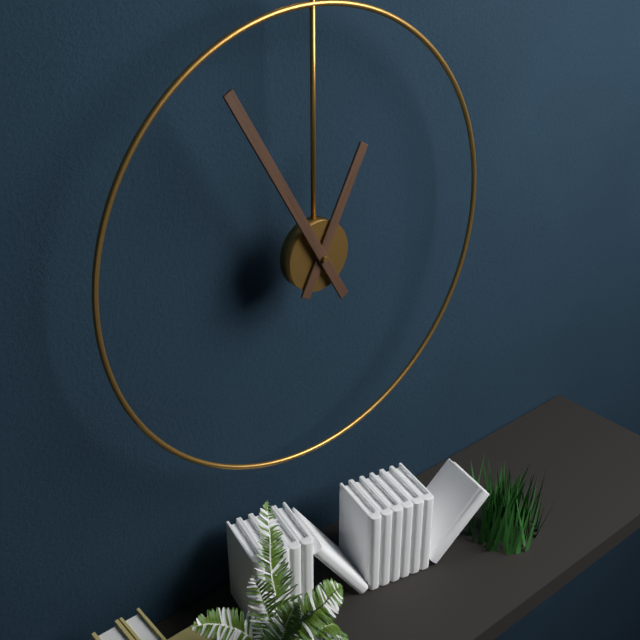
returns 12.55
